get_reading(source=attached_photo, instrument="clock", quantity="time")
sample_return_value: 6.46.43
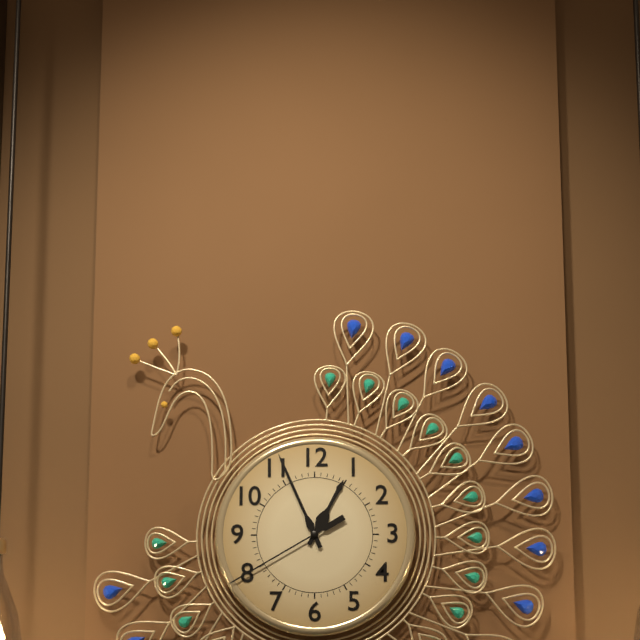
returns 12.56.40
